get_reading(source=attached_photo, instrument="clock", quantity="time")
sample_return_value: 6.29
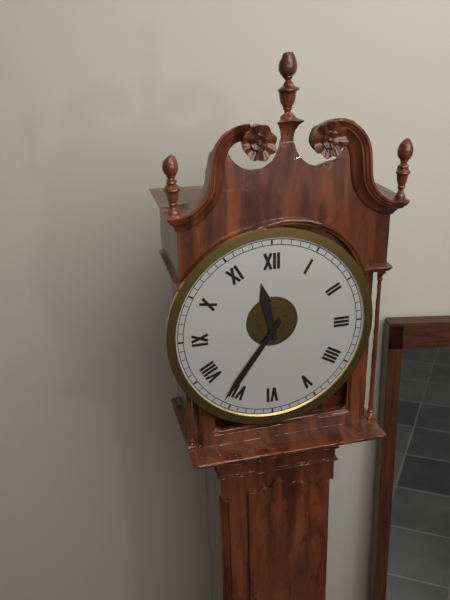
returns 11.36
